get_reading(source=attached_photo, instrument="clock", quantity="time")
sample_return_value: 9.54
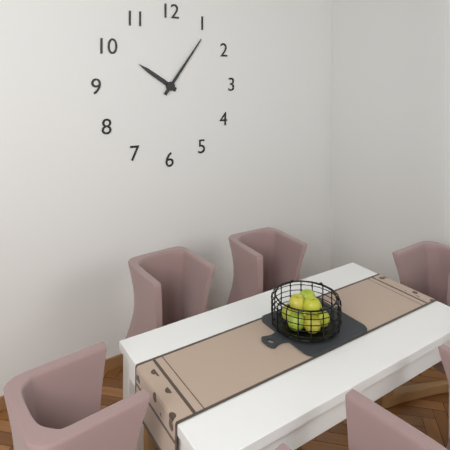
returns 10.06
